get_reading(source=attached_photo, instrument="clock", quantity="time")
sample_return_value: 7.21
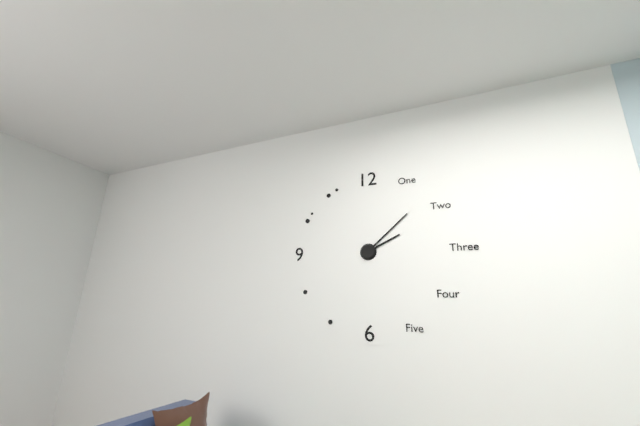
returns 2.08
